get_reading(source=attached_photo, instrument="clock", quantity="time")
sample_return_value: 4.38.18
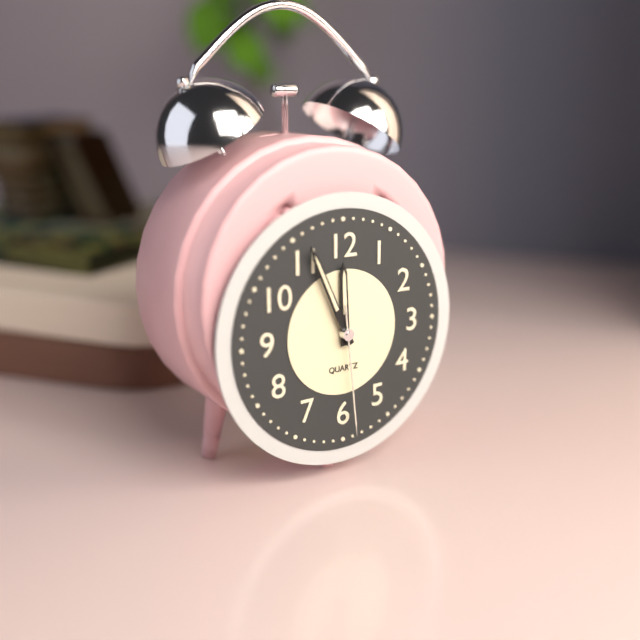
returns 11.56.29
